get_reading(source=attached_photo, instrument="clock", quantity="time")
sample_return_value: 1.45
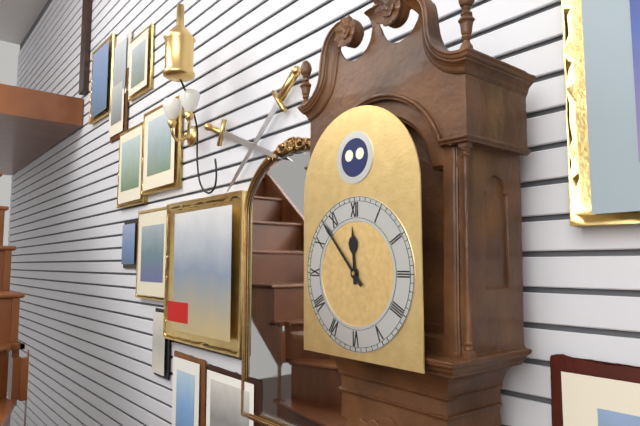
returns 11.53
